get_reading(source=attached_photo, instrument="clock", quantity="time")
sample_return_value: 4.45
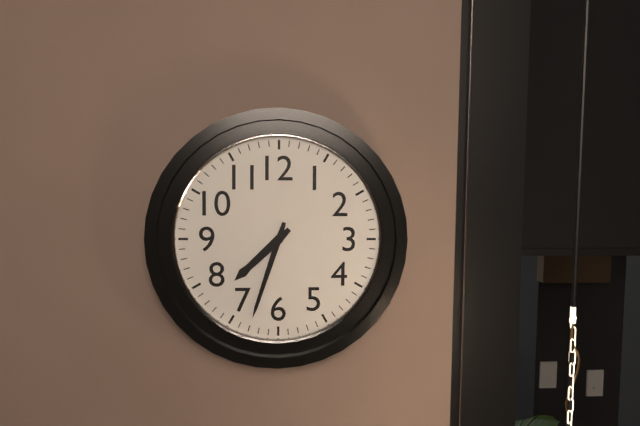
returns 7.33
